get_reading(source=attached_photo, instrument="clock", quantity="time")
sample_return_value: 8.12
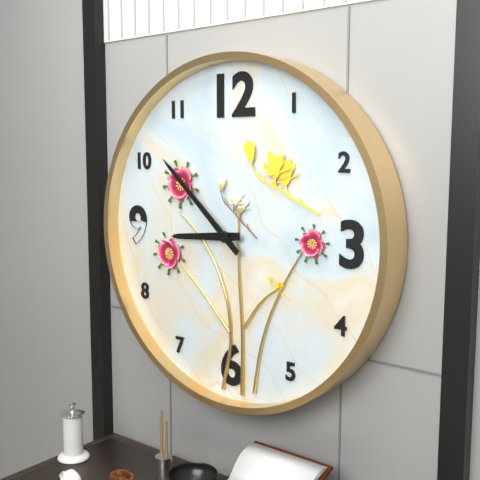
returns 8.52
